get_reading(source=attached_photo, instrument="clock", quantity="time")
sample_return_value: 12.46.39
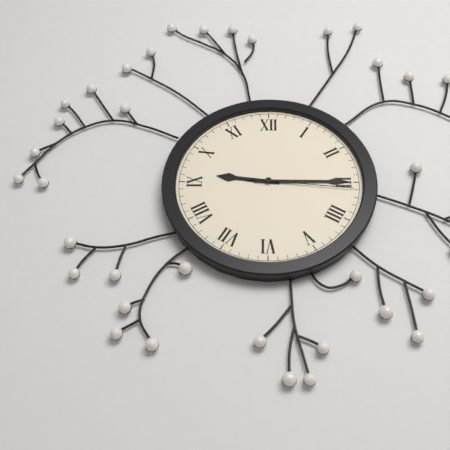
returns 9.15.16
